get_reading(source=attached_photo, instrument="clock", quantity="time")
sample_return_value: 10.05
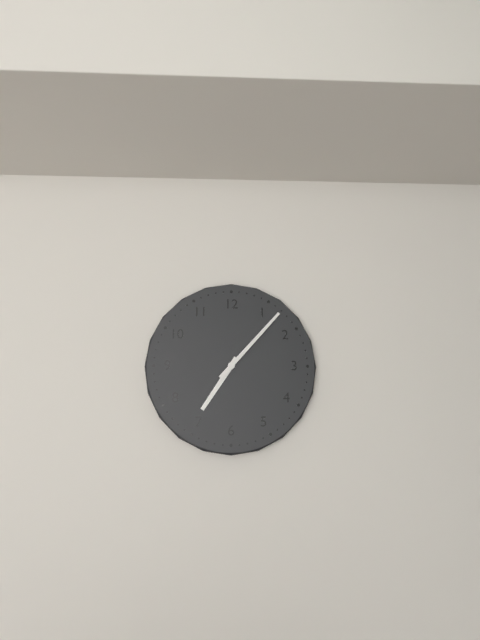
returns 7.07
